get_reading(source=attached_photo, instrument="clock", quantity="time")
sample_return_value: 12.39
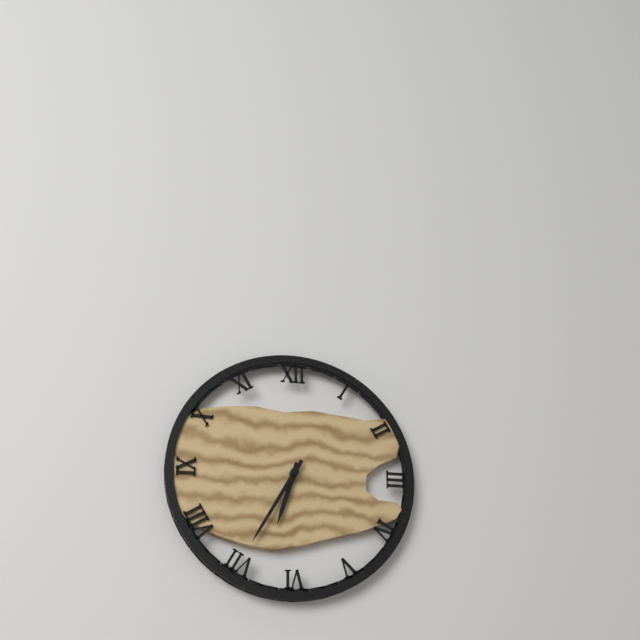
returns 6.35
